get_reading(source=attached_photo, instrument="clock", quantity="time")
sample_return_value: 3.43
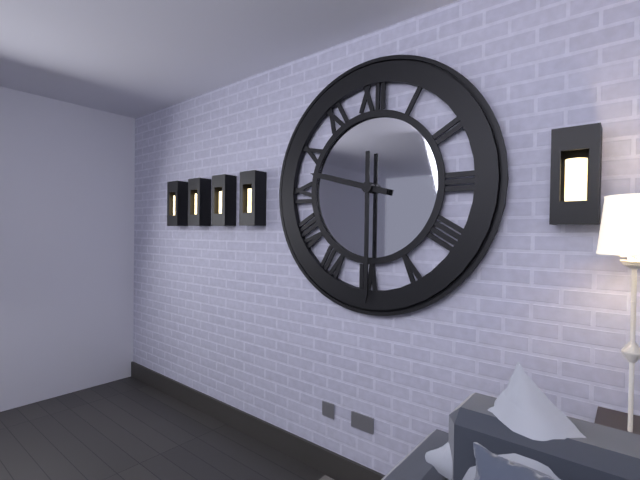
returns 9.30
